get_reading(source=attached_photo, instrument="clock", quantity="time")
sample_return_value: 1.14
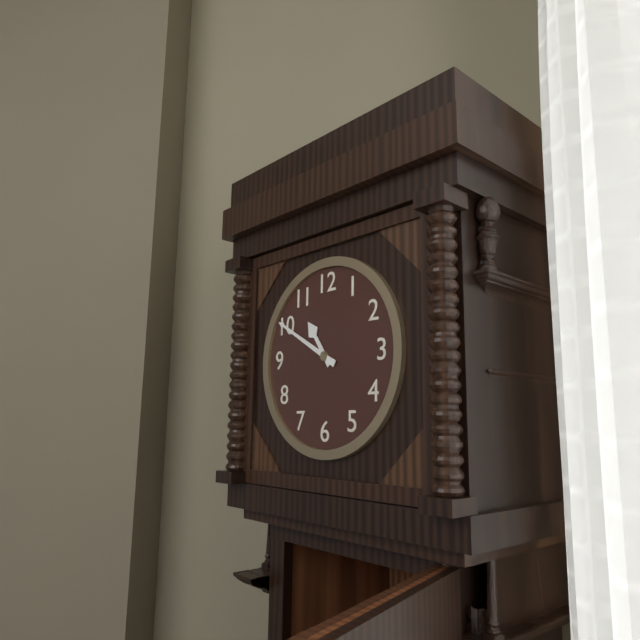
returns 10.50
